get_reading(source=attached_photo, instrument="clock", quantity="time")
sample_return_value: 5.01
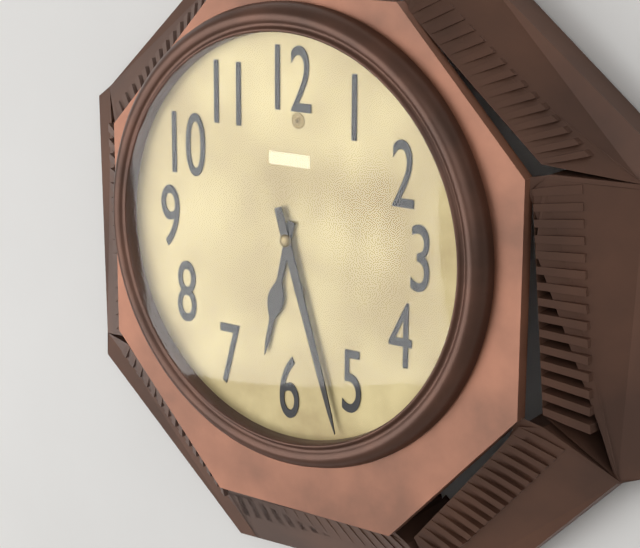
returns 6.27
